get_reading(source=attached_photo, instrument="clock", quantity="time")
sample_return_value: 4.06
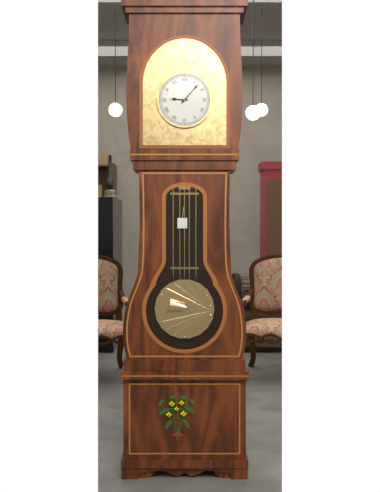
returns 9.07
